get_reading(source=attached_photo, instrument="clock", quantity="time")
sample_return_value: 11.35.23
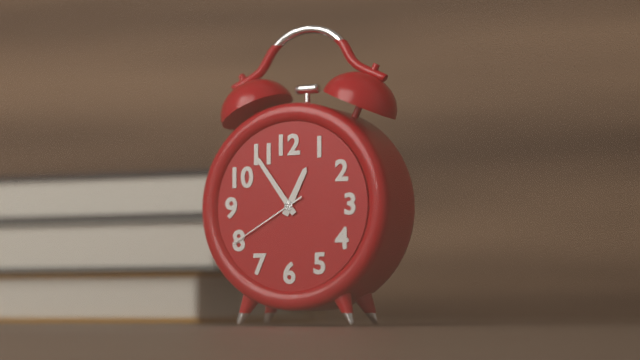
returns 12.54.40
